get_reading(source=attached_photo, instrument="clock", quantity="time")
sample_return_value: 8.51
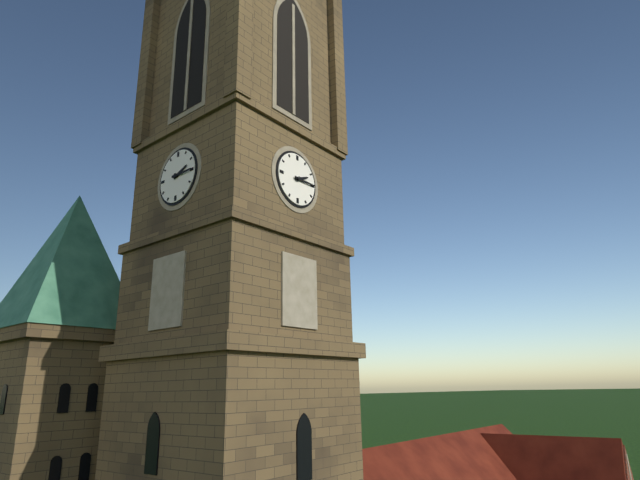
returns 2.15
